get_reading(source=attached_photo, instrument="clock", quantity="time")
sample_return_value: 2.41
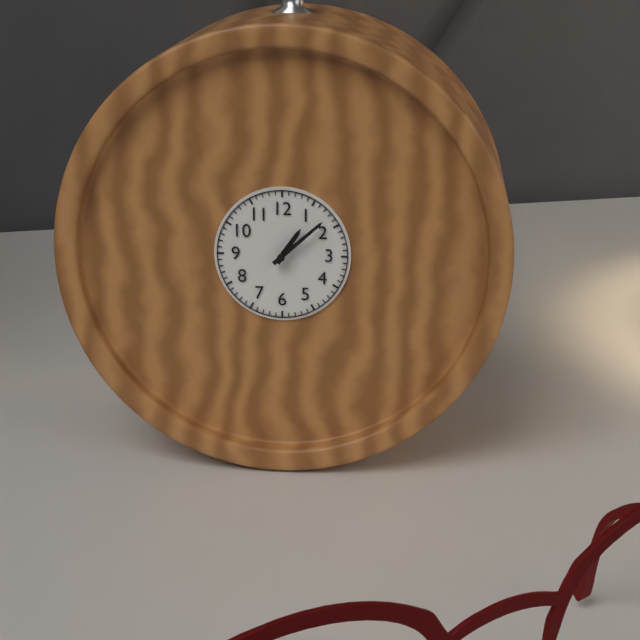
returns 1.08
